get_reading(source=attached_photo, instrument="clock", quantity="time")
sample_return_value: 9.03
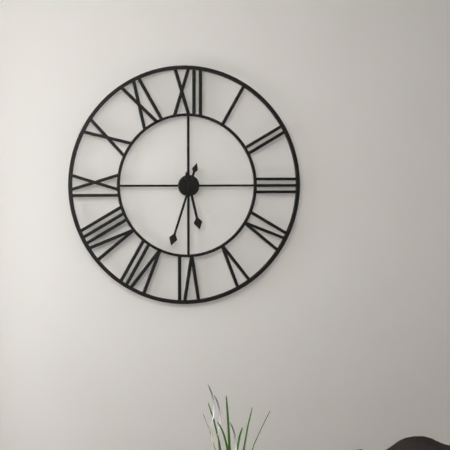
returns 5.33
